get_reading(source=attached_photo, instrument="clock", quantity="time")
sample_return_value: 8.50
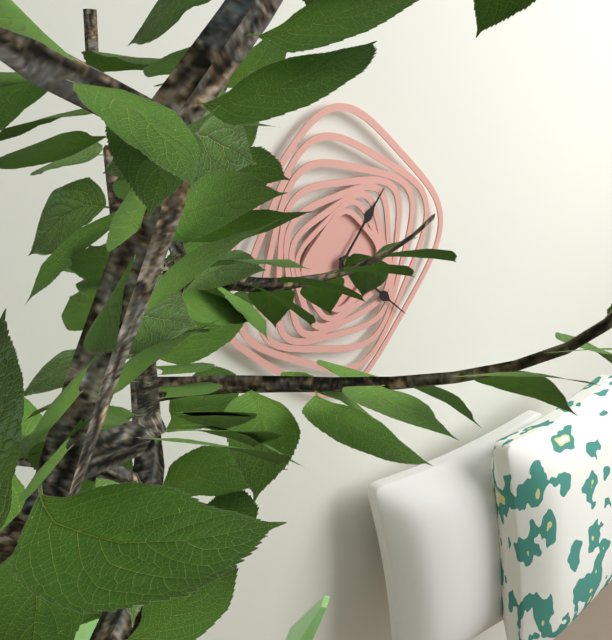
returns 1.22
